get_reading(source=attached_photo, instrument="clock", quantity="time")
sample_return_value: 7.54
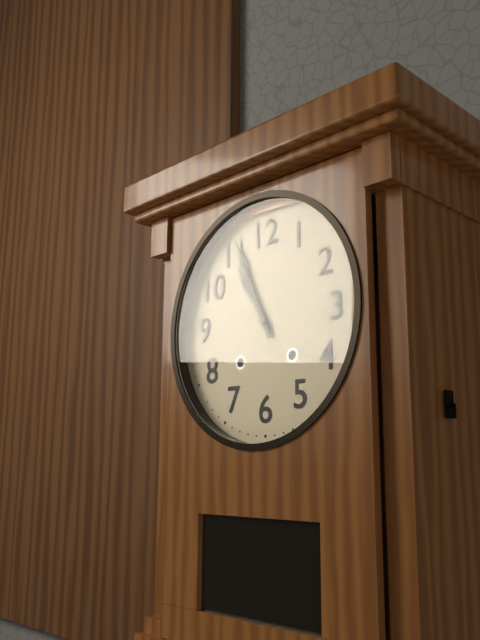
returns 10.56
